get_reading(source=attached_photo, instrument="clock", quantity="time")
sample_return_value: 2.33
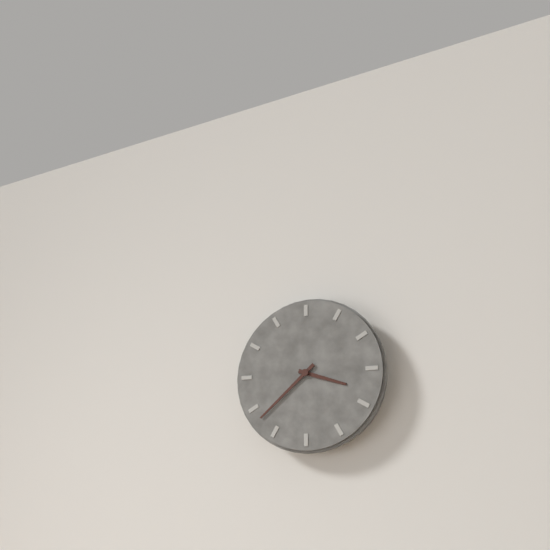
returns 3.38
